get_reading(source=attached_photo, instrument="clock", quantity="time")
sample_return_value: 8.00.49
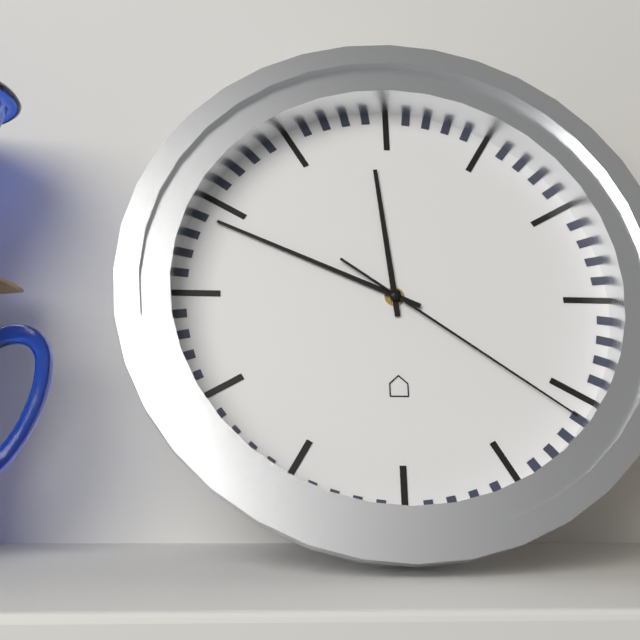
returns 11.49.21
